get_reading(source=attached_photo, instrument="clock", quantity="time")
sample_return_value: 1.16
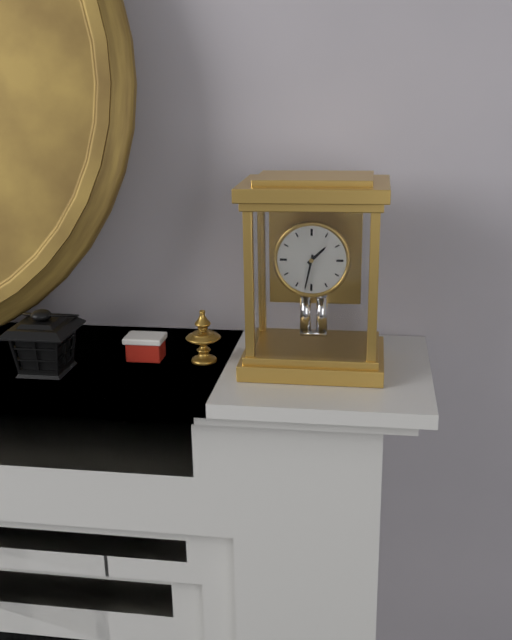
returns 1.32
